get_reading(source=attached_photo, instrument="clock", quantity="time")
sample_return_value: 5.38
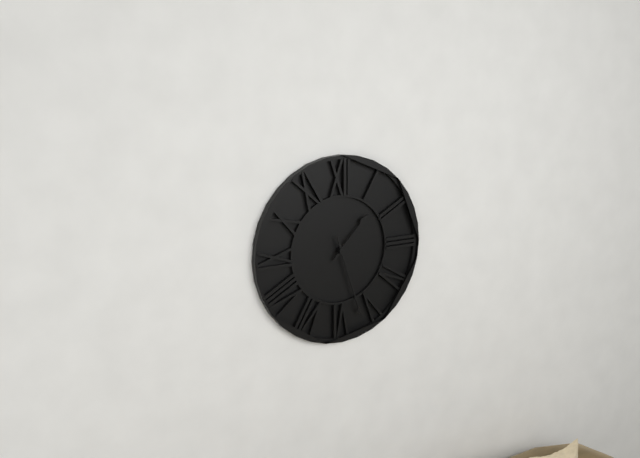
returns 1.27
